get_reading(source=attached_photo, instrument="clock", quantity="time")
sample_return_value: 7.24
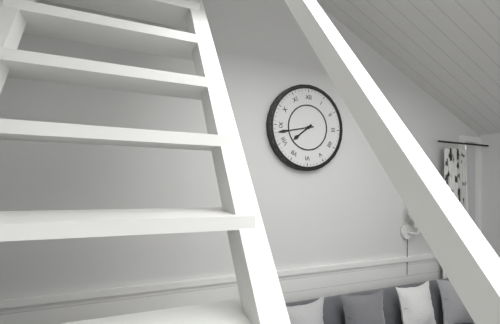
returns 7.43
